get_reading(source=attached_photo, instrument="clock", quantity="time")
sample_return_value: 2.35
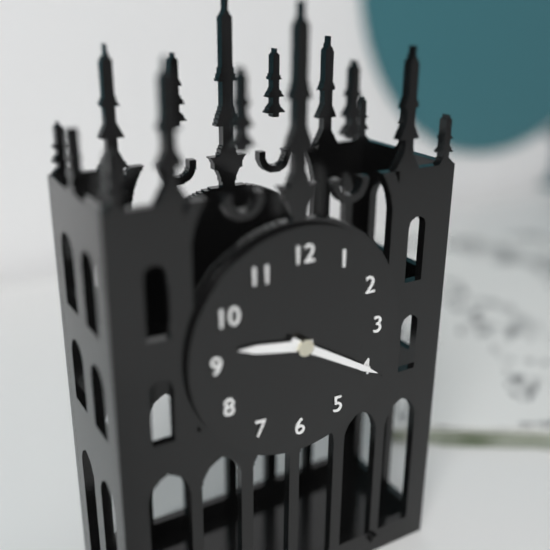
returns 9.20
